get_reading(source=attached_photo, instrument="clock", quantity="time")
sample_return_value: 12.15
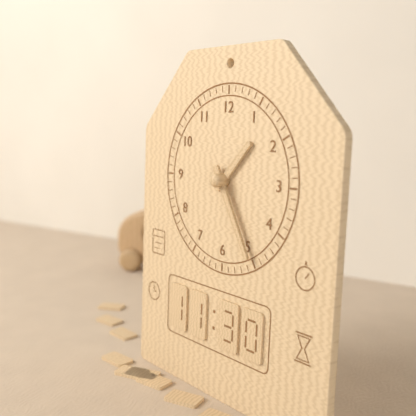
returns 1.25
